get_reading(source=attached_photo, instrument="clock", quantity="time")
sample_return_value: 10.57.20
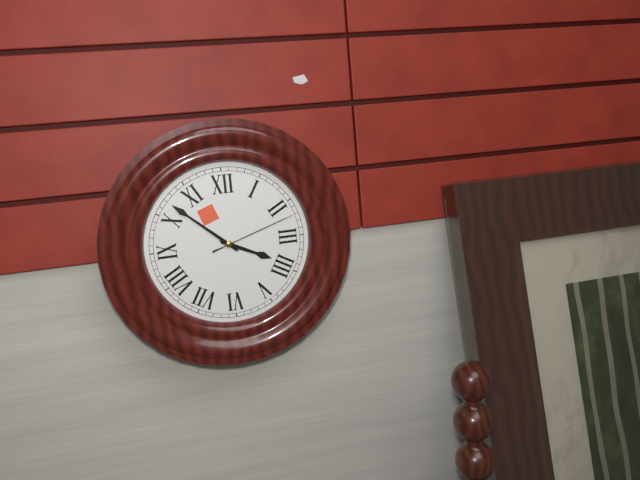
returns 3.52.12
